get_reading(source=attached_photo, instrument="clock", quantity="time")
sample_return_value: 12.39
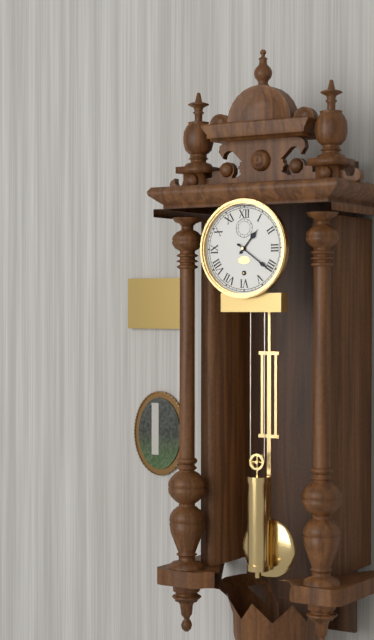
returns 1.21
